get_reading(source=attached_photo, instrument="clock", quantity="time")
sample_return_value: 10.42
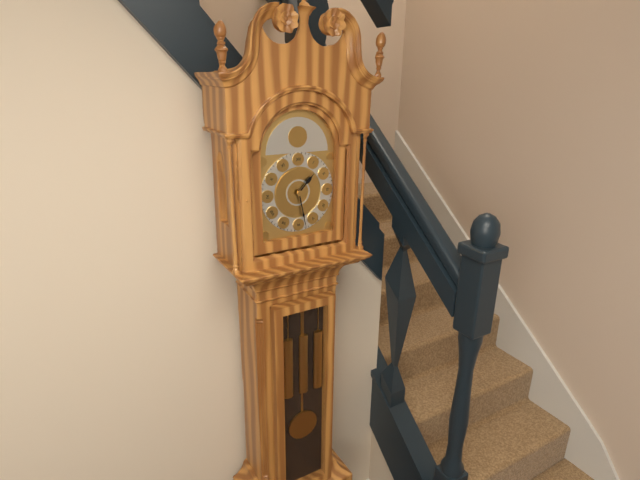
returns 1.28
